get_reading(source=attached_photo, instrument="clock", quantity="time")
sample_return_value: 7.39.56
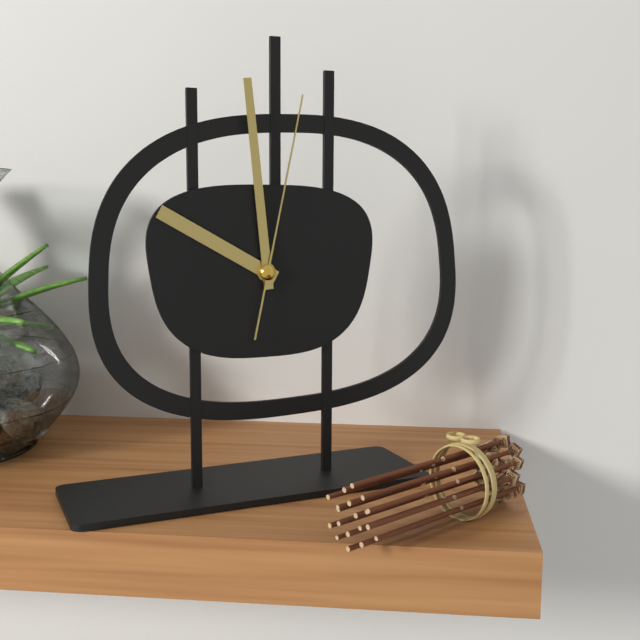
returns 9.59.02
